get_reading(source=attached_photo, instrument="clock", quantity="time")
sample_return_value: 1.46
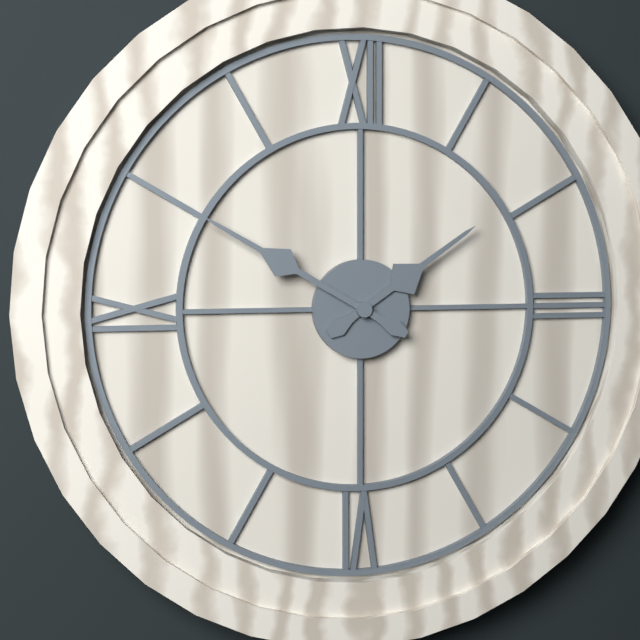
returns 1.50
